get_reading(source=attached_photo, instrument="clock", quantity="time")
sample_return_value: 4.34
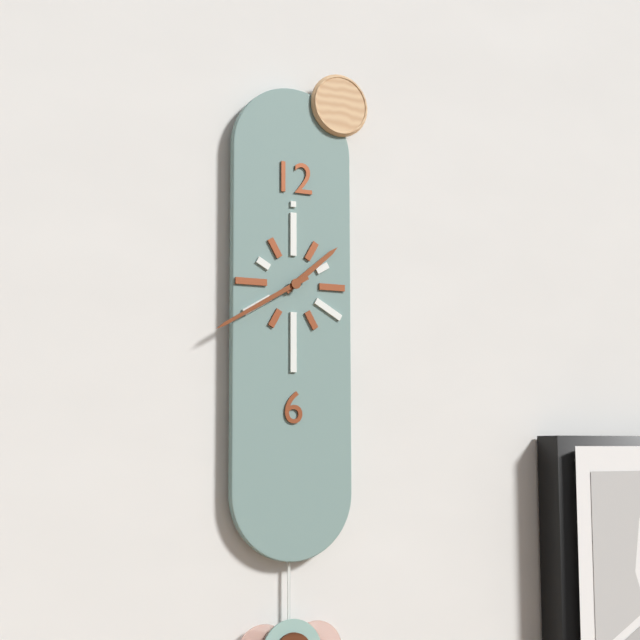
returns 1.40
